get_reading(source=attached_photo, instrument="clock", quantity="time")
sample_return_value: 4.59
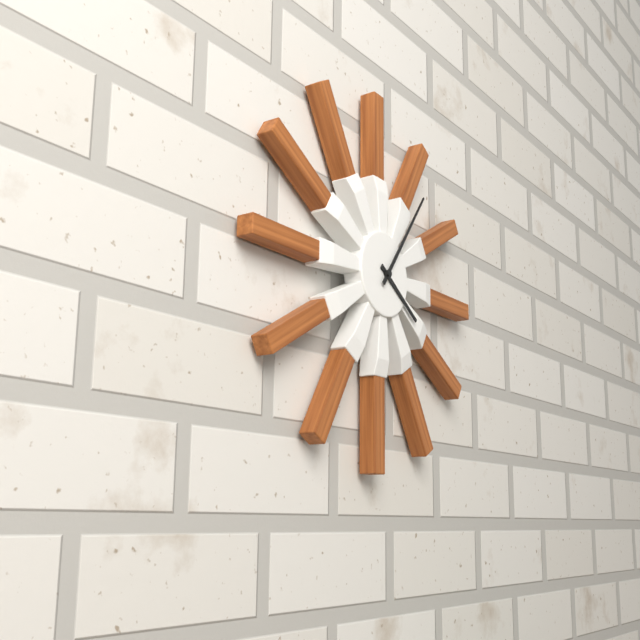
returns 4.06
